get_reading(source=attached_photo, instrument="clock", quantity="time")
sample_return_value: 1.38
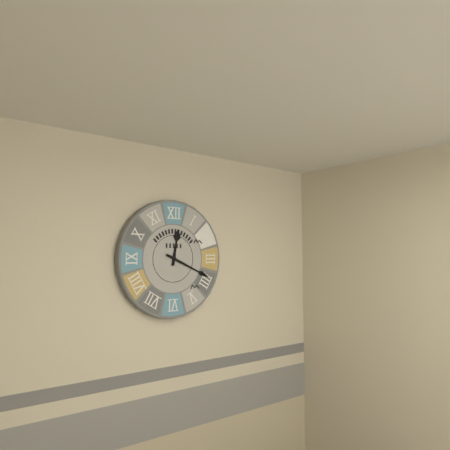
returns 12.19
